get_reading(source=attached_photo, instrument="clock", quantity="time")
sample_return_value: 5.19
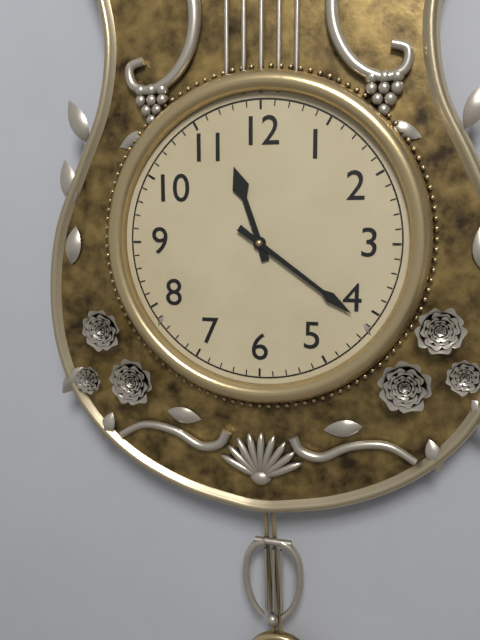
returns 11.21
